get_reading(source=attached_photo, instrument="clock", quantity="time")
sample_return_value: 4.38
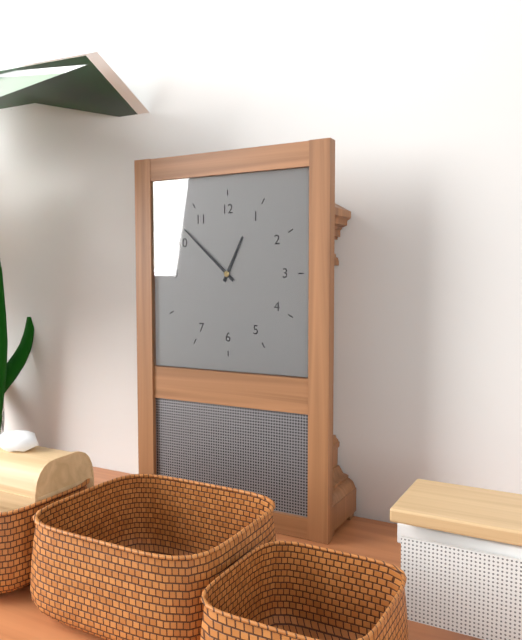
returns 12.52
